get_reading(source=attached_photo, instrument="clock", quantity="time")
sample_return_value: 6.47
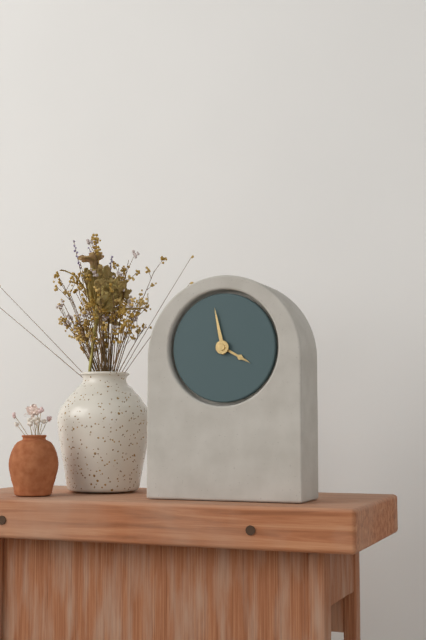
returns 3.58
